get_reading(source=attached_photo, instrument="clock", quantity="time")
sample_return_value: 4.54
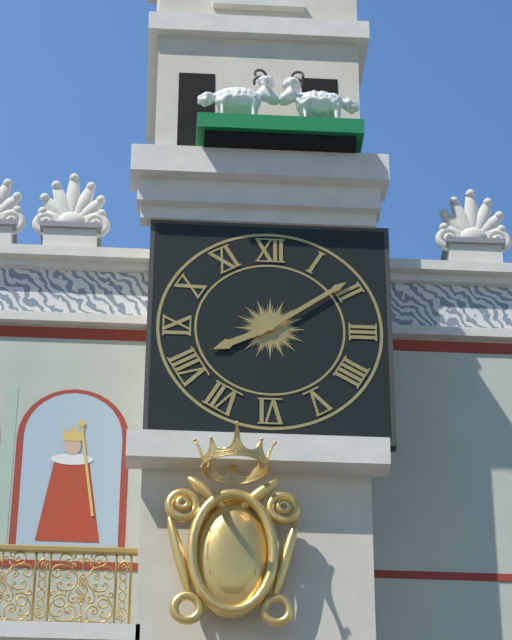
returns 8.09
